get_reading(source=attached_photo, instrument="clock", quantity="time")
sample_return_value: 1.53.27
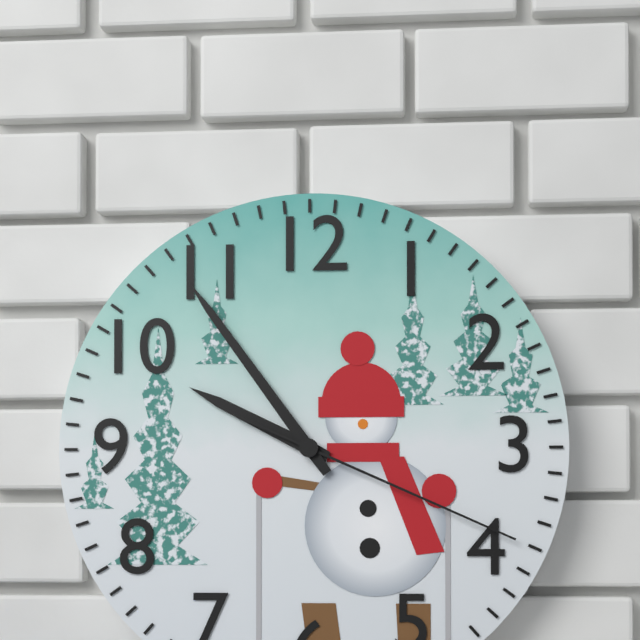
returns 9.54.19
